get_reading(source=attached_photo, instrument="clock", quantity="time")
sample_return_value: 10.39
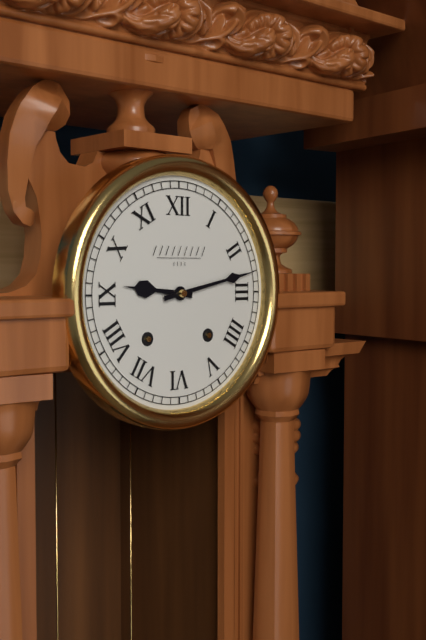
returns 9.13
